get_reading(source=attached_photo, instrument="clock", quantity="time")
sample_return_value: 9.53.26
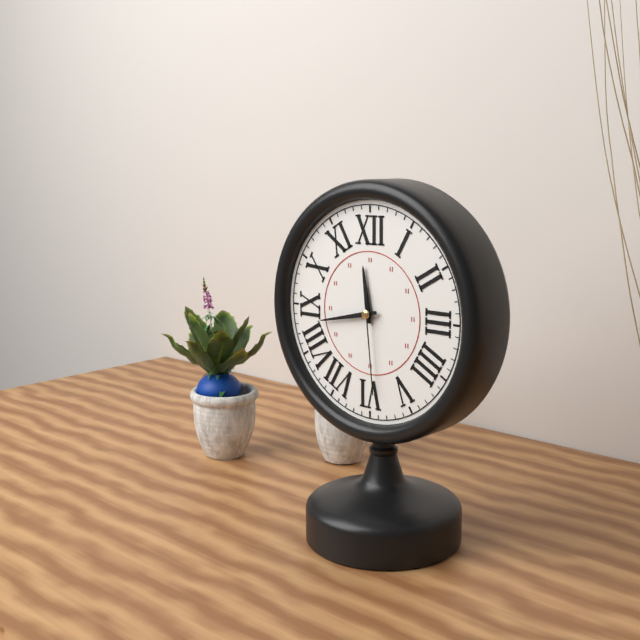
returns 11.43.29
